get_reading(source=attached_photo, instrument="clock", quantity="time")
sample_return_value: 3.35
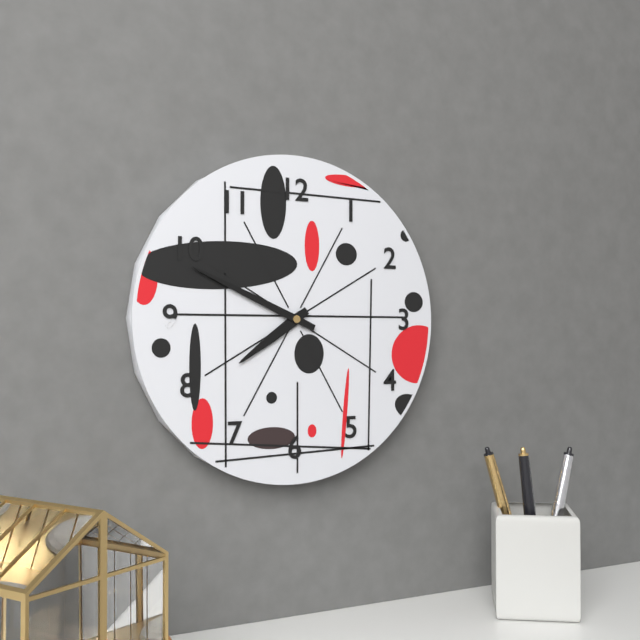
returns 7.49
